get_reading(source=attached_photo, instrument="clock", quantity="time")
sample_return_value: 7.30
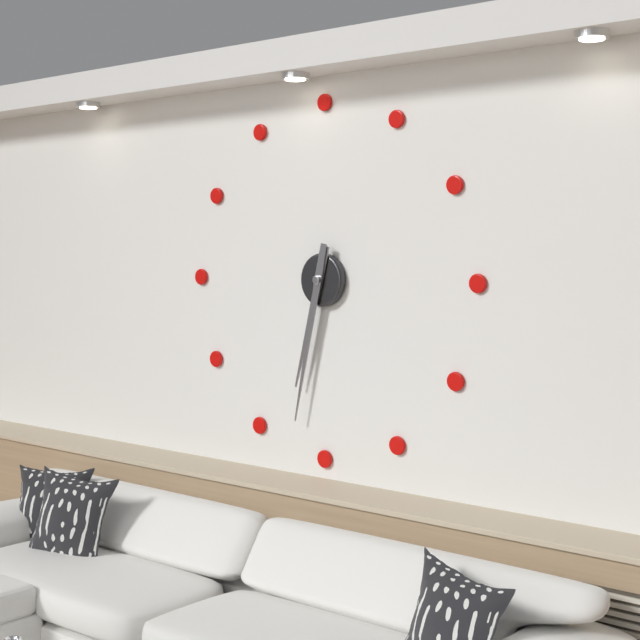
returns 6.32
